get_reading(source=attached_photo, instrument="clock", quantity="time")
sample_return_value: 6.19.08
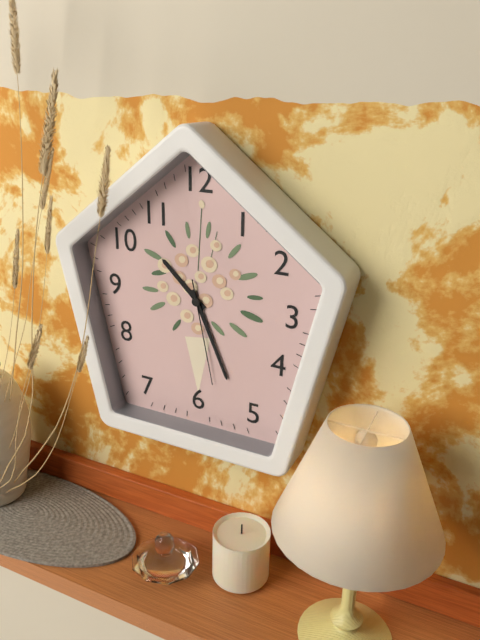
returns 10.26.28
